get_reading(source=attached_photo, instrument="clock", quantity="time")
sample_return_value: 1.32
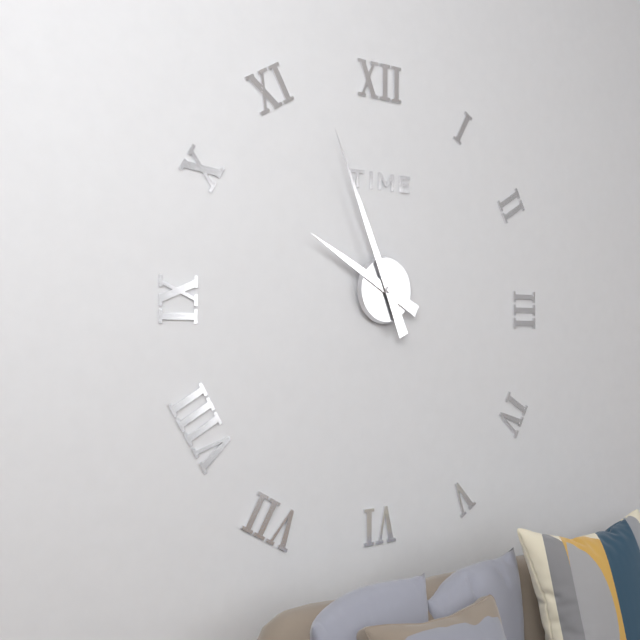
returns 9.56
